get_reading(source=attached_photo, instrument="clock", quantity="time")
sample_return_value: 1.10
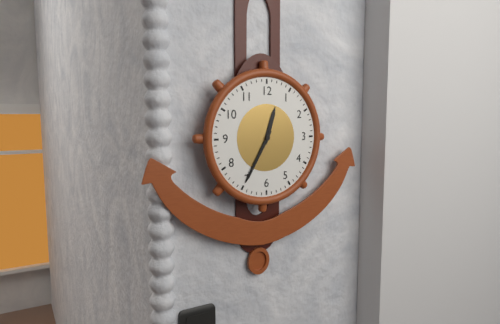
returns 12.35
